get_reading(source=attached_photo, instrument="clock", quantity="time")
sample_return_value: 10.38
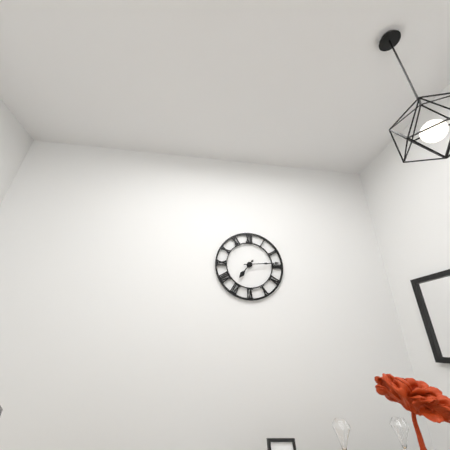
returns 7.14
